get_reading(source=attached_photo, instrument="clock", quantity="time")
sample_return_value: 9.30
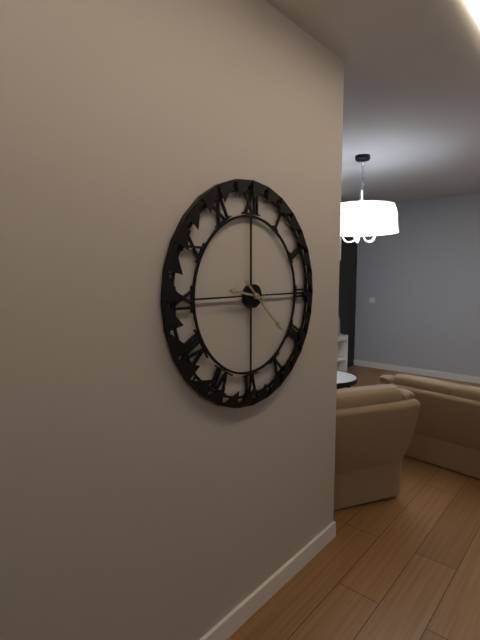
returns 9.22
